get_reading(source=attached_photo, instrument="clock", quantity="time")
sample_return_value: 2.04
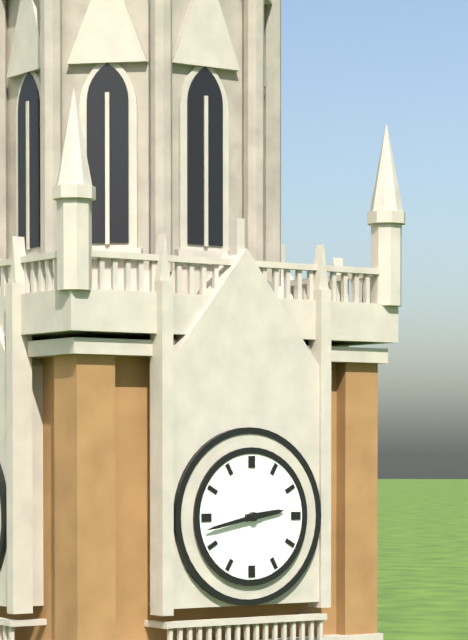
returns 2.43
